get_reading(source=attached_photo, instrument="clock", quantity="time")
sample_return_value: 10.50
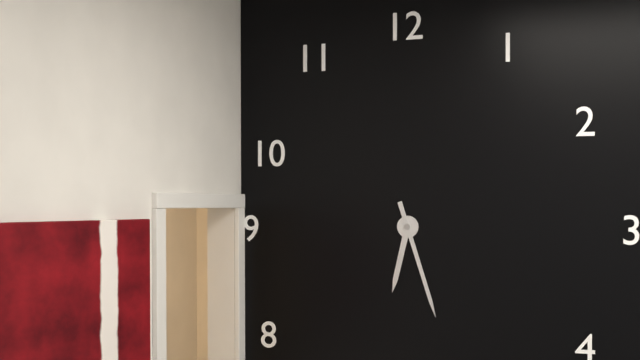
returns 6.27
